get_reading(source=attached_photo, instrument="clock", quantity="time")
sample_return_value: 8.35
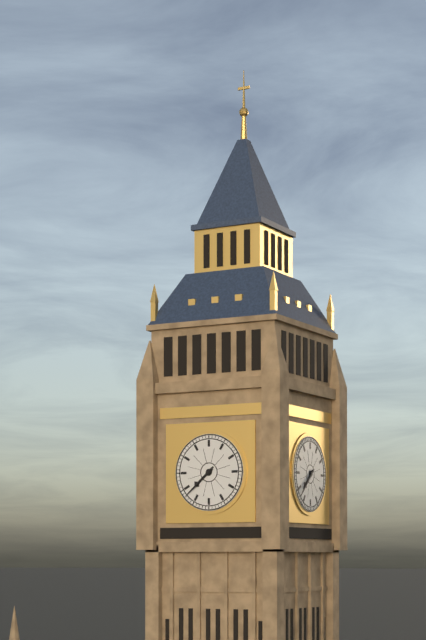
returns 7.38
